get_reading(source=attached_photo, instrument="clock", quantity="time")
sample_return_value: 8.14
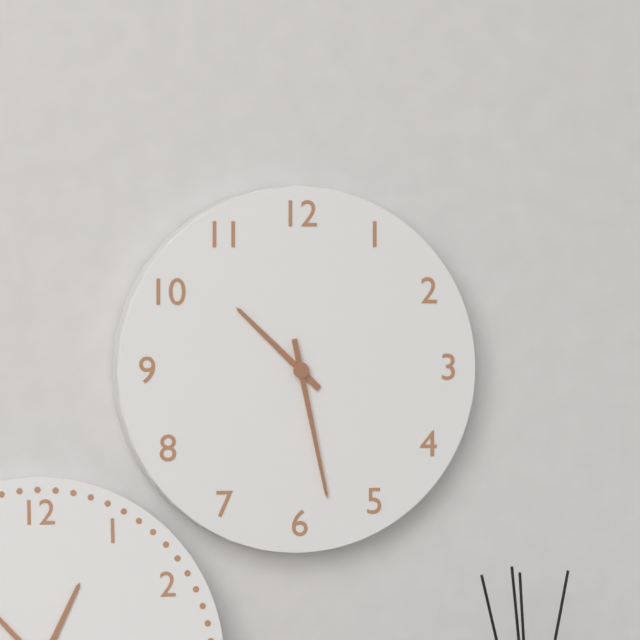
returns 10.28
